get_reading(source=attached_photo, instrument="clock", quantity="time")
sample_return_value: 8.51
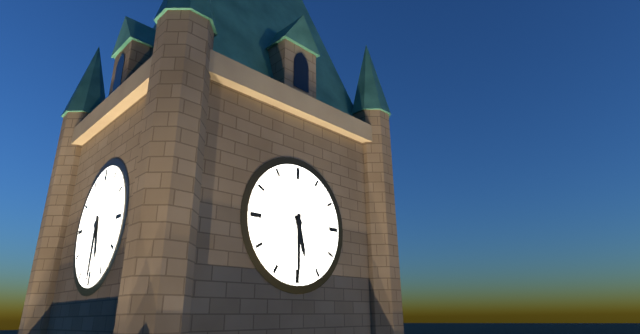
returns 5.30
